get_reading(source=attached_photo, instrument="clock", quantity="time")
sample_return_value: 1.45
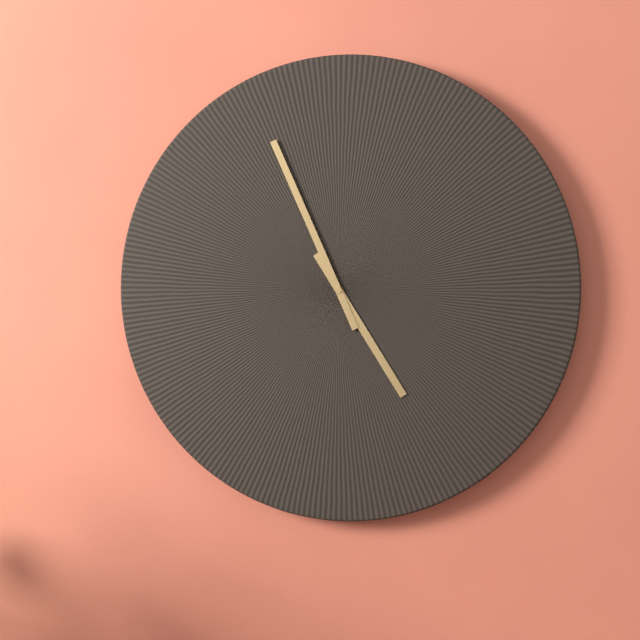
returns 4.56
